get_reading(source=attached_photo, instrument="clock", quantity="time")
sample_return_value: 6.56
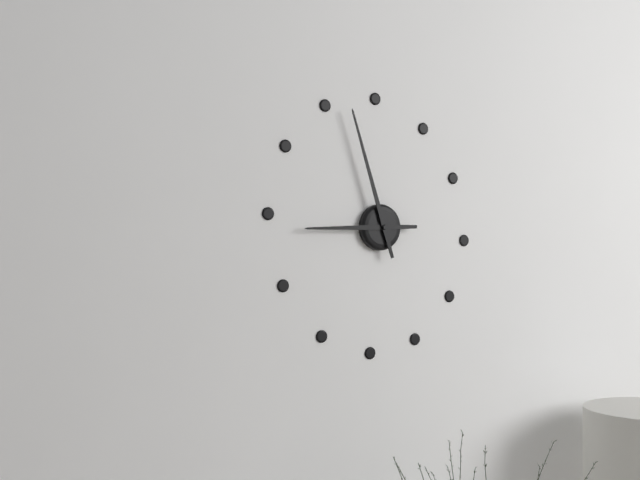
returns 8.57
